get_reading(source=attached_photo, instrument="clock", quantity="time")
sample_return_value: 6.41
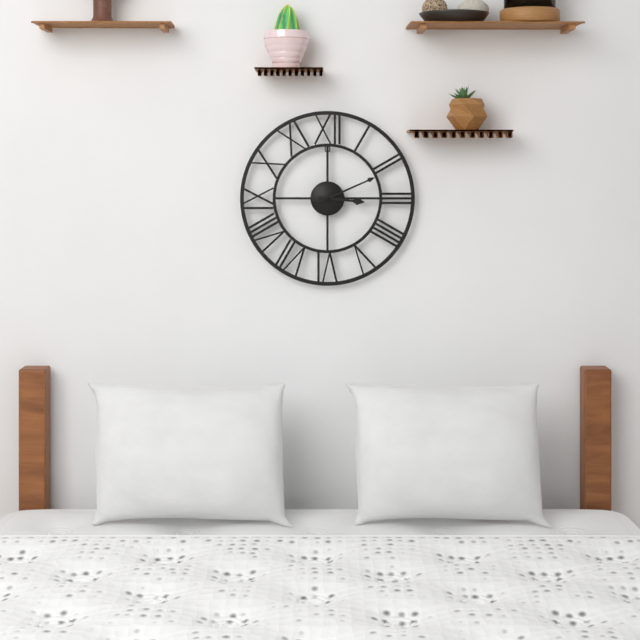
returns 3.11
